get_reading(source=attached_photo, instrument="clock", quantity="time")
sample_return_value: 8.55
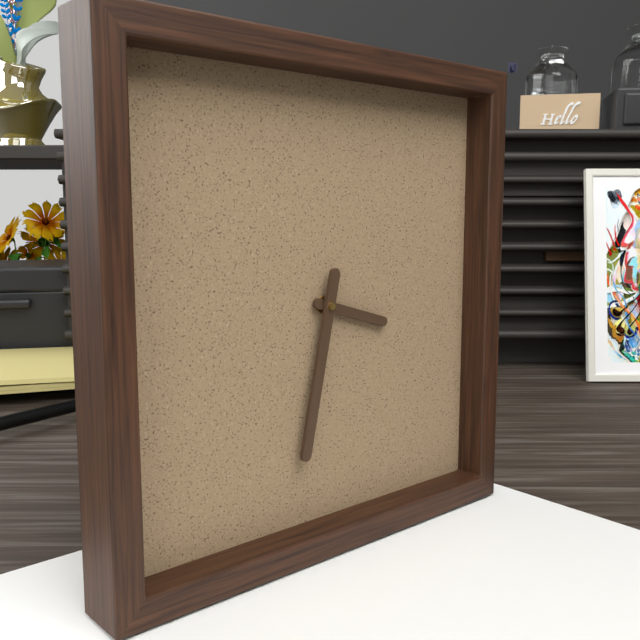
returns 3.32
